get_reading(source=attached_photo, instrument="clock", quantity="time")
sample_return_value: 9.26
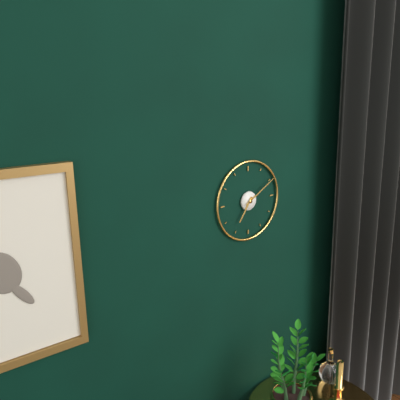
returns 7.10
